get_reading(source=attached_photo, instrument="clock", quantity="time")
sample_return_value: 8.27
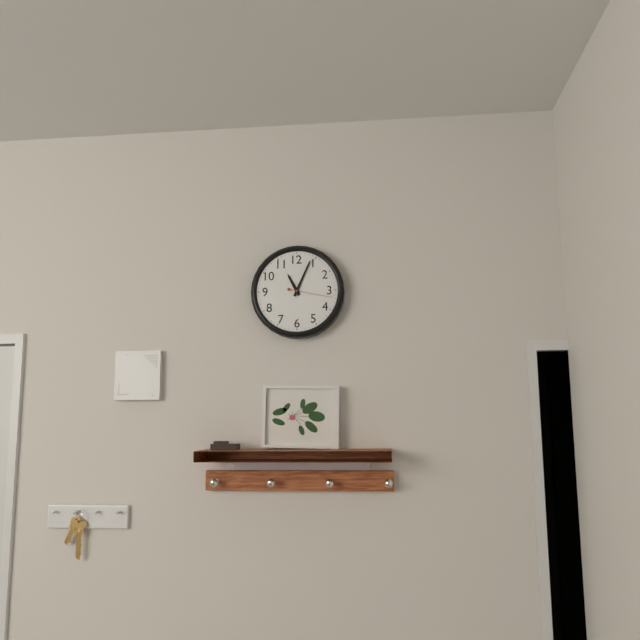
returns 11.04
